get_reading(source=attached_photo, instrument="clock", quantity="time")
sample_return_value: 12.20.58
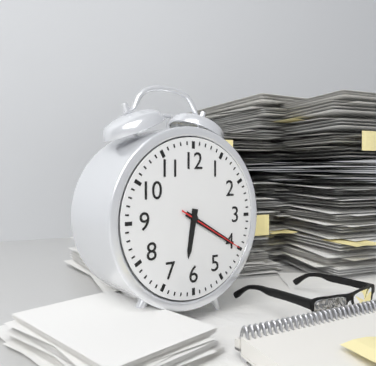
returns 6.20.20
